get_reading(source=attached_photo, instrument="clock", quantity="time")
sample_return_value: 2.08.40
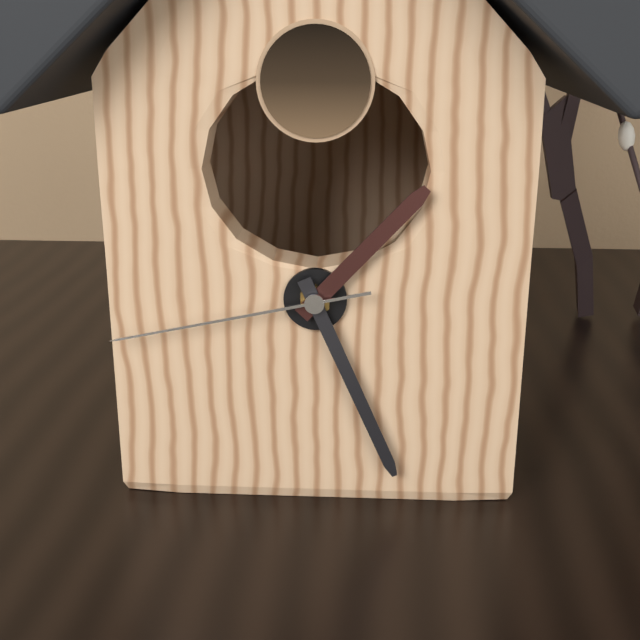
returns 1.26.43
